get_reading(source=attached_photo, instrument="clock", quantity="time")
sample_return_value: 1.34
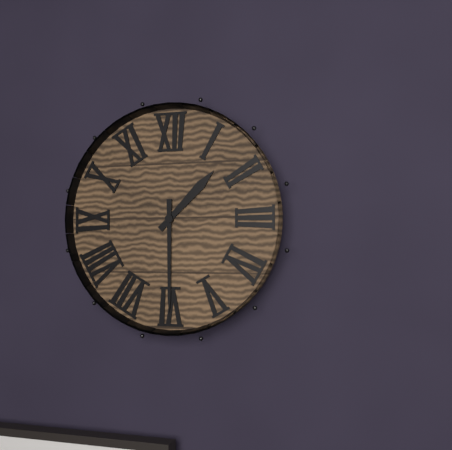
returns 1.30
